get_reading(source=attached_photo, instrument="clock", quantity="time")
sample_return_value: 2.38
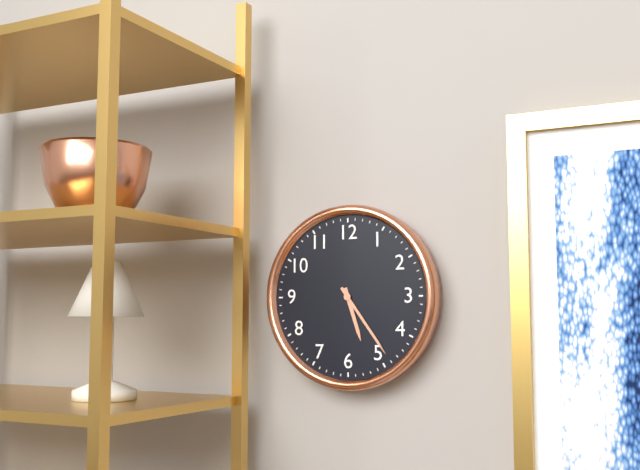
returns 5.24
